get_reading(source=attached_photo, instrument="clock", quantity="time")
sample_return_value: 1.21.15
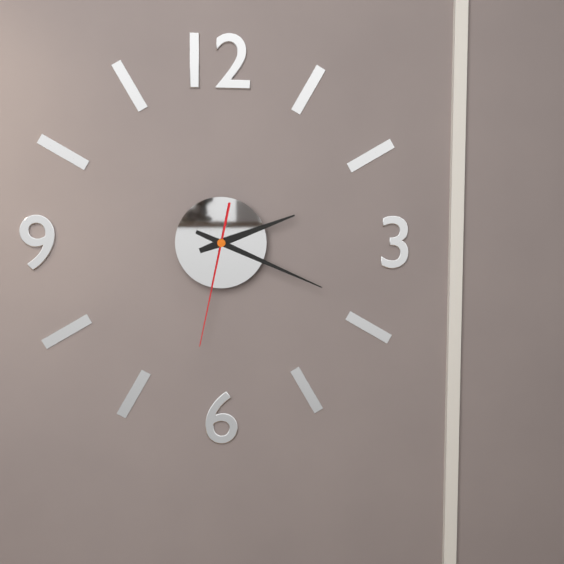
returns 2.19.32
